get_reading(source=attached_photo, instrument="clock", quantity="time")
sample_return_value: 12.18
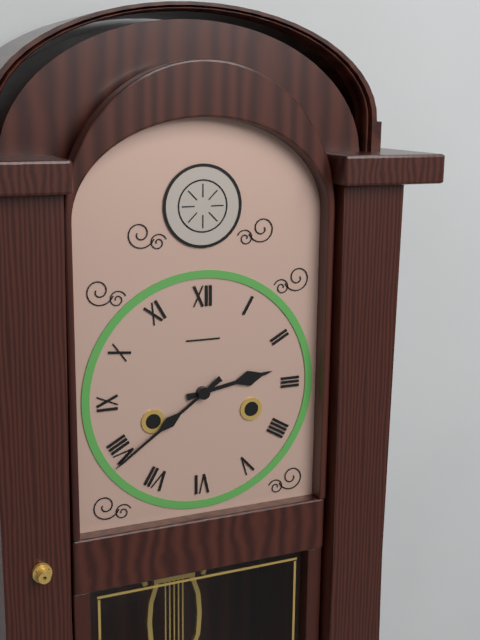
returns 2.39
